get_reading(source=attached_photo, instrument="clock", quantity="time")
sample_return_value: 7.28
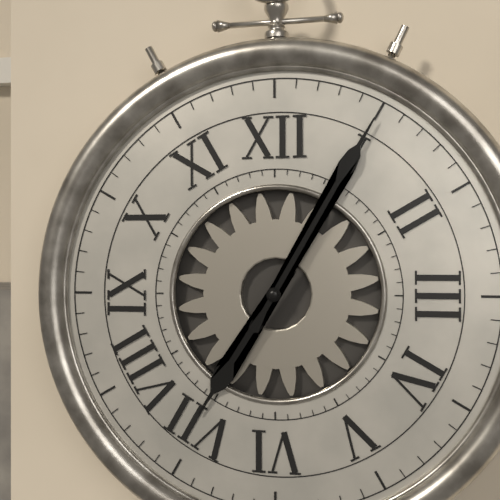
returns 7.05
